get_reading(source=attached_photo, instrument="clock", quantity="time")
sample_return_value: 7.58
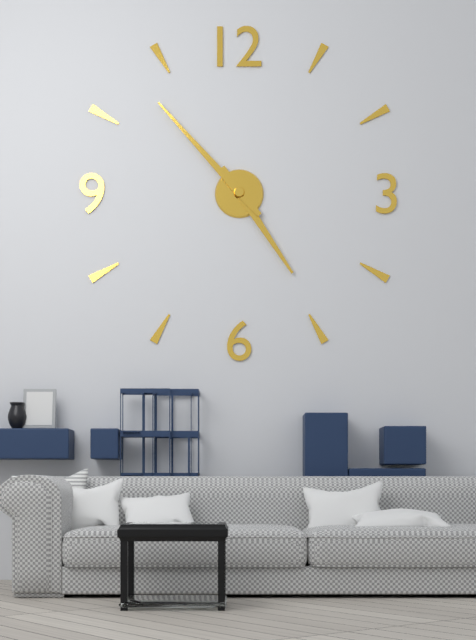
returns 4.53
